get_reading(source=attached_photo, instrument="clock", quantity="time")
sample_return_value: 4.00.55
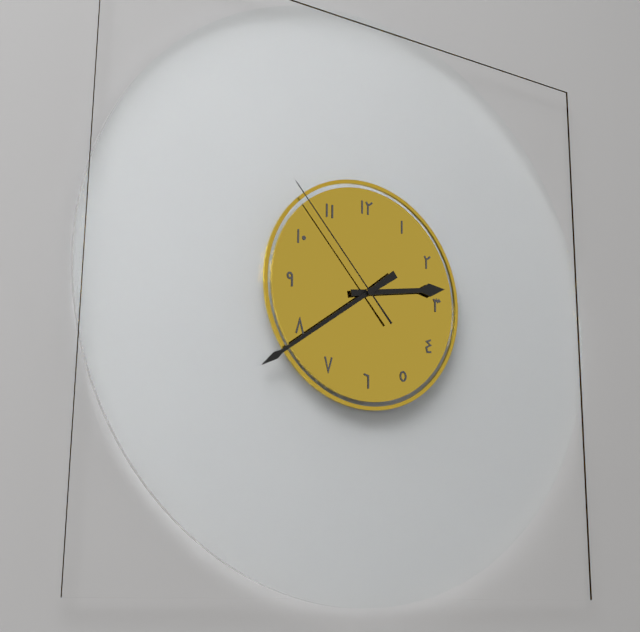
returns 2.39.53
